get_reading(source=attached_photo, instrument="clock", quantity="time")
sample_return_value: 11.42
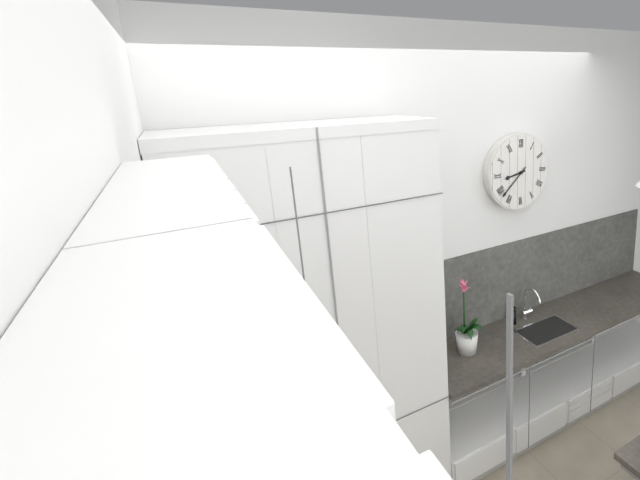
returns 8.38
